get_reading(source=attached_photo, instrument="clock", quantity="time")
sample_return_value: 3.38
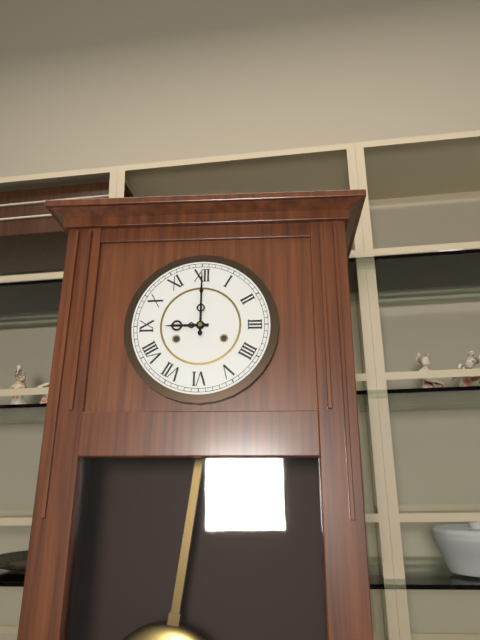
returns 9.00
